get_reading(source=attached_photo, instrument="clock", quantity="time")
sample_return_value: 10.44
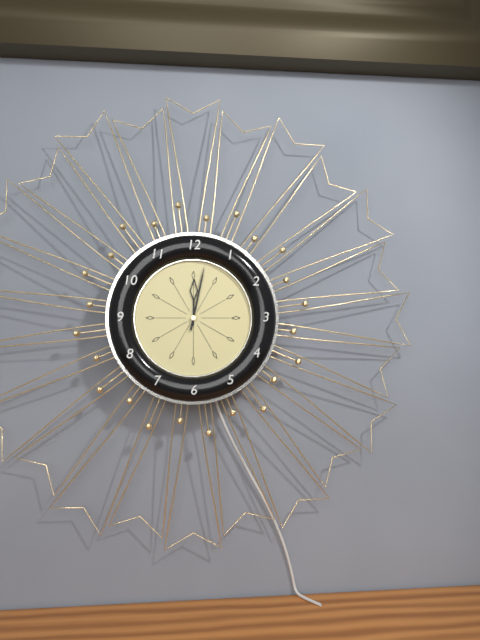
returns 12.02
